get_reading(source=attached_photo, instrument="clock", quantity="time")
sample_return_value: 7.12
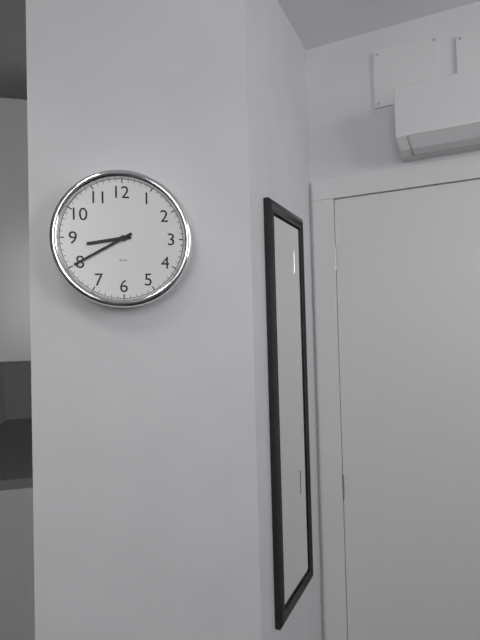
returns 8.40
